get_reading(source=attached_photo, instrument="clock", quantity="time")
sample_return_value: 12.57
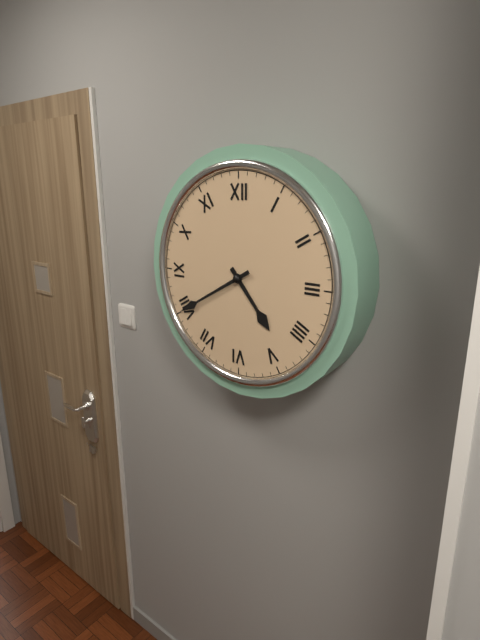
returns 4.40
